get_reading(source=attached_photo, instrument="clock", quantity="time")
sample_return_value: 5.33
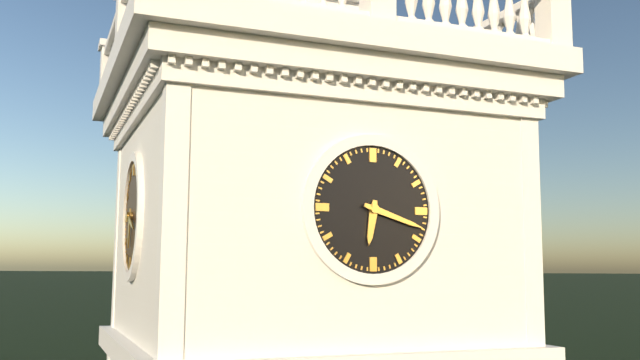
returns 6.18
